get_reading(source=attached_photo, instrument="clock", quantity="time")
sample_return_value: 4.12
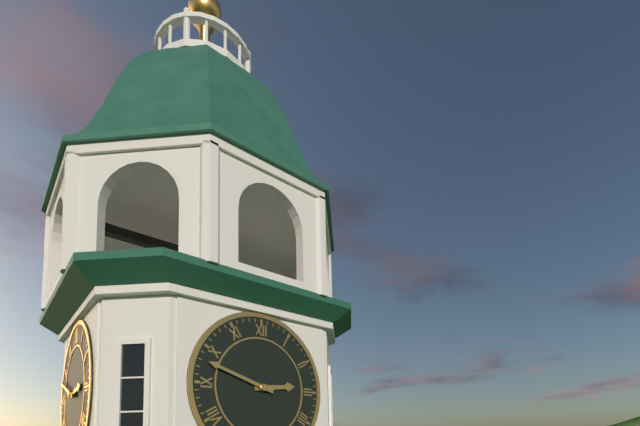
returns 2.48
